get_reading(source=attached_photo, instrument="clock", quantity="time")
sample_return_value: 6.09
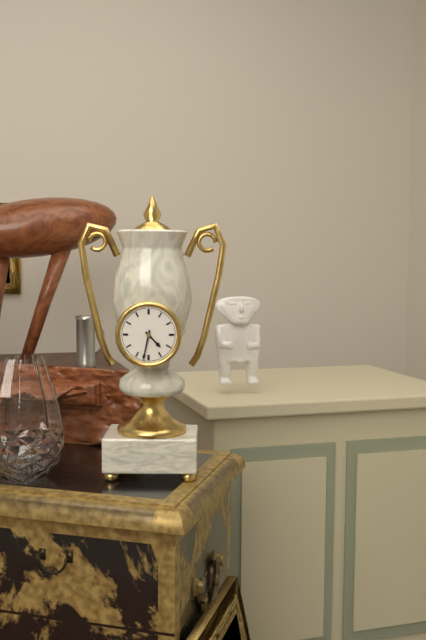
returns 4.32
